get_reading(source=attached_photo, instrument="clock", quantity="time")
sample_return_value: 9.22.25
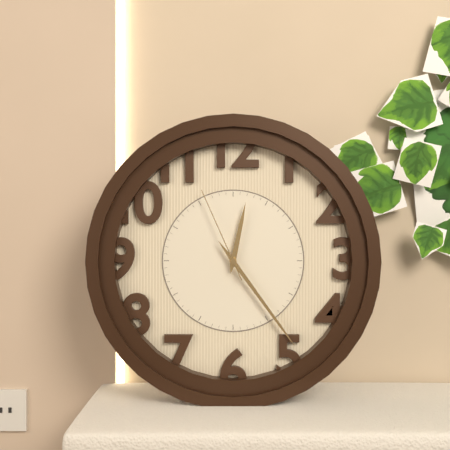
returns 12.24.56
